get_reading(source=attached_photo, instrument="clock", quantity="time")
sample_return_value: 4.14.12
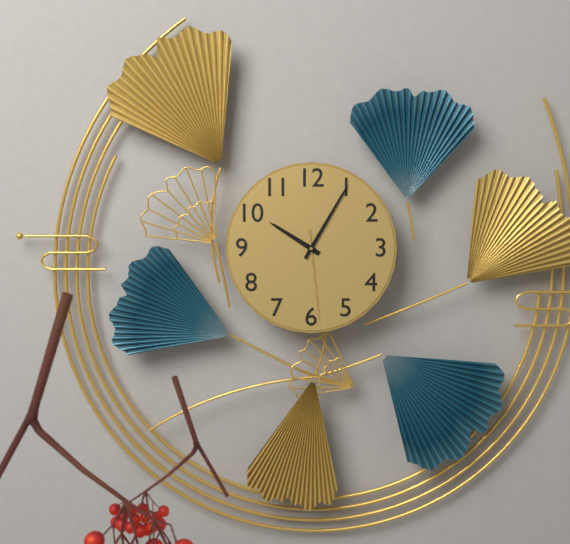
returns 10.05.29
